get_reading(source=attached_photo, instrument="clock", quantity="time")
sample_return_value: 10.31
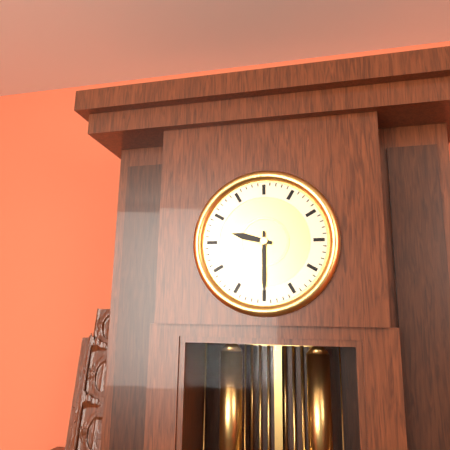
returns 9.30
